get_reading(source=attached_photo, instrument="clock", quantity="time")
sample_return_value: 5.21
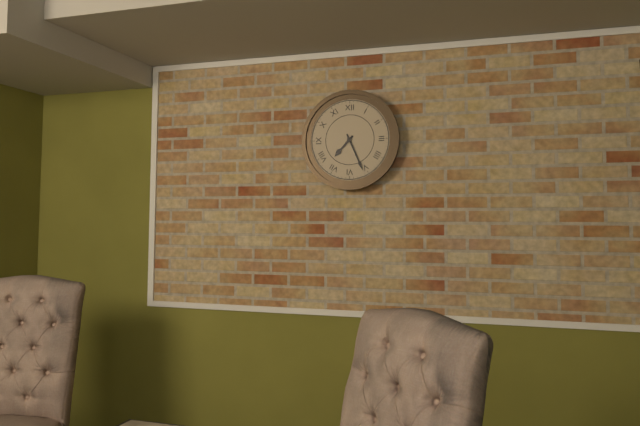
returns 7.26
